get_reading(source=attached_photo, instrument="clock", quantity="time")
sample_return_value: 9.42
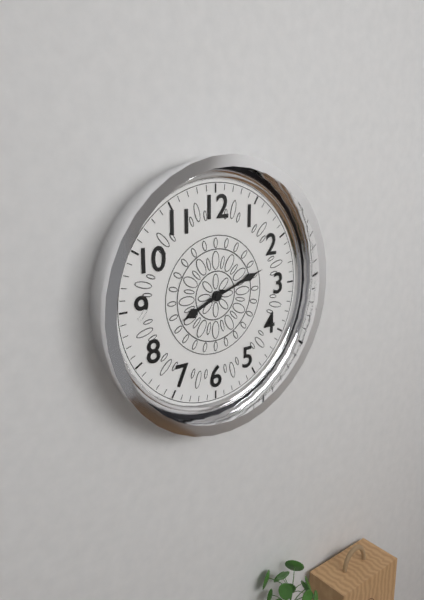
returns 8.12
